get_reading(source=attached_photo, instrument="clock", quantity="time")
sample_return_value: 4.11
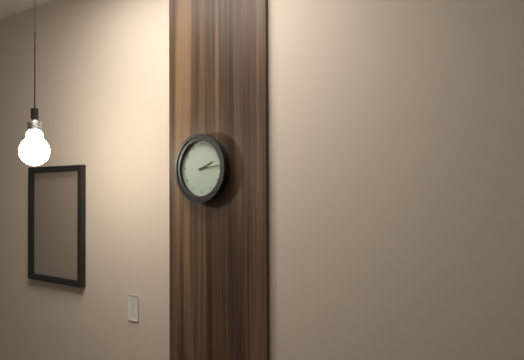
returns 2.14
